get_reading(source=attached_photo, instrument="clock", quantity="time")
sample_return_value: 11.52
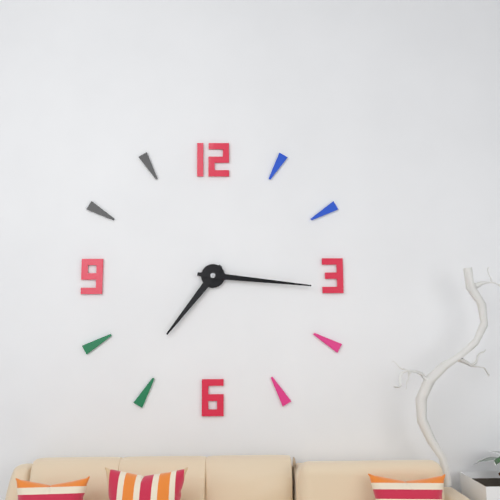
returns 7.16
